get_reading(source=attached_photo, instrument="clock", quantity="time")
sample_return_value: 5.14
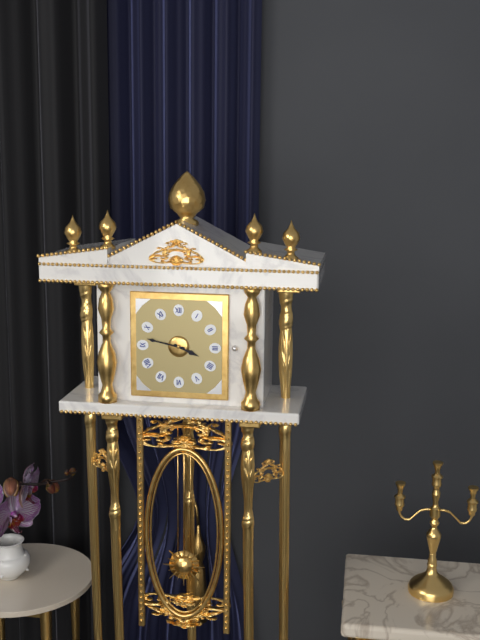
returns 3.47
